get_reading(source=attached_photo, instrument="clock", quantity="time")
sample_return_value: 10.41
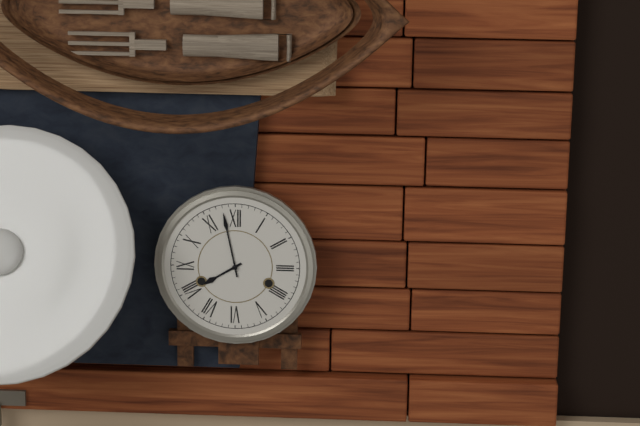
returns 7.58
